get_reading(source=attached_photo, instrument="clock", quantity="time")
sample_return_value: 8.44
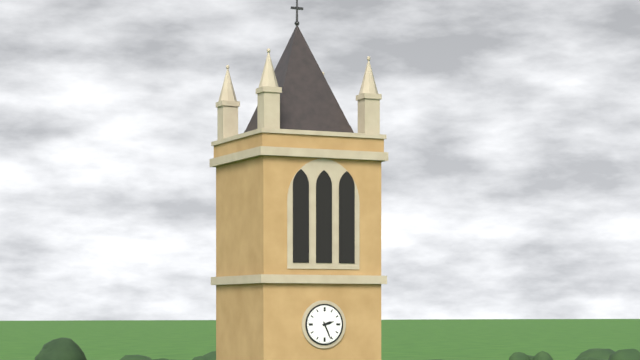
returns 2.26
